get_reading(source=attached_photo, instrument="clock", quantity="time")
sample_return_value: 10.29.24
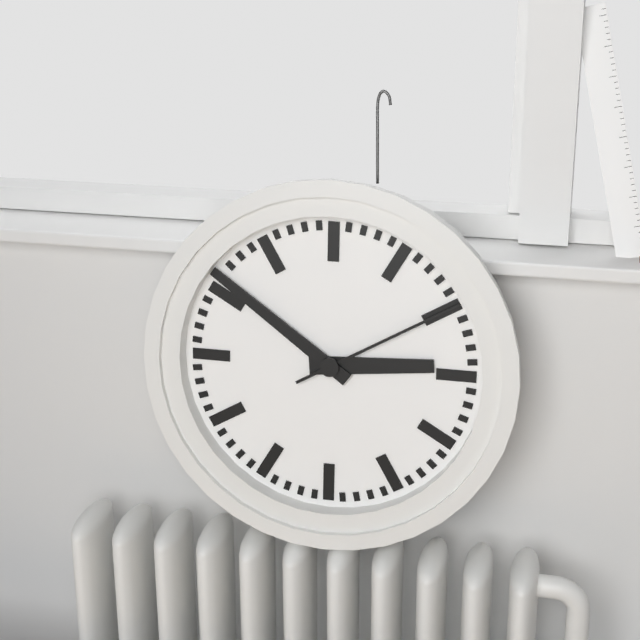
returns 2.51.10
